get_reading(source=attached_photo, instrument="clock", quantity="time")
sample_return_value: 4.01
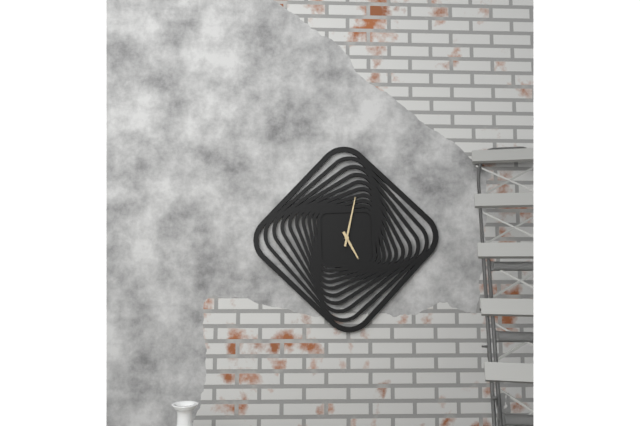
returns 5.02
